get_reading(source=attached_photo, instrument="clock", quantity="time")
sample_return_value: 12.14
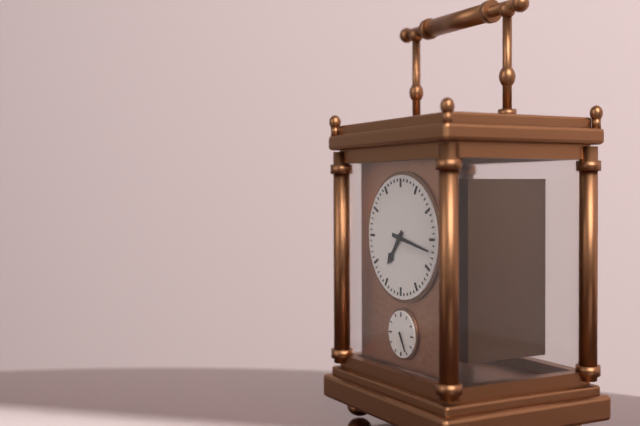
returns 7.17
